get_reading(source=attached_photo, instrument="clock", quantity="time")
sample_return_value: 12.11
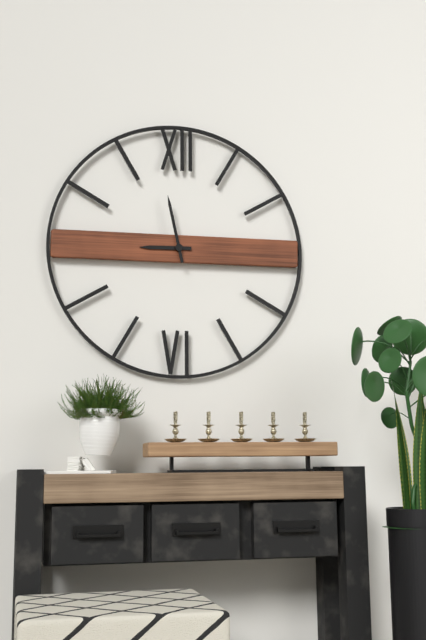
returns 8.58
